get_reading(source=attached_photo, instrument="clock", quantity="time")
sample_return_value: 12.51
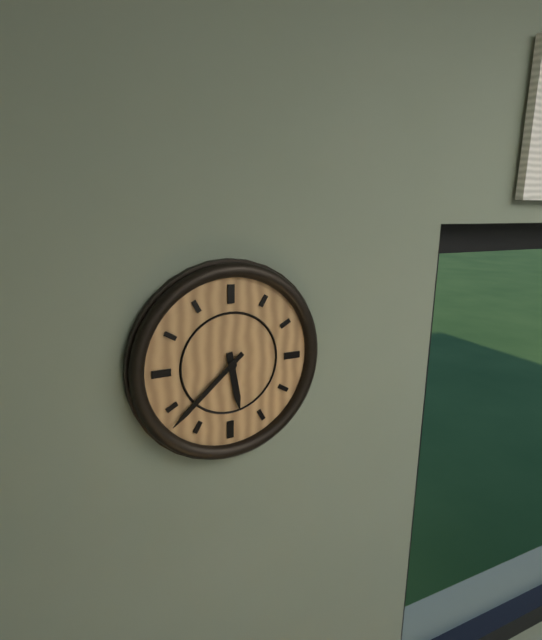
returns 5.38
